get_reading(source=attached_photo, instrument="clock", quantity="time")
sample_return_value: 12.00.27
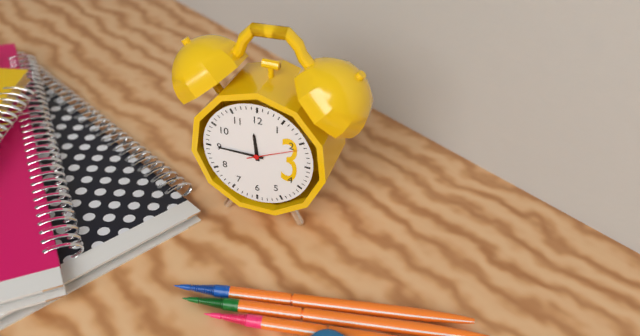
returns 11.45.11
